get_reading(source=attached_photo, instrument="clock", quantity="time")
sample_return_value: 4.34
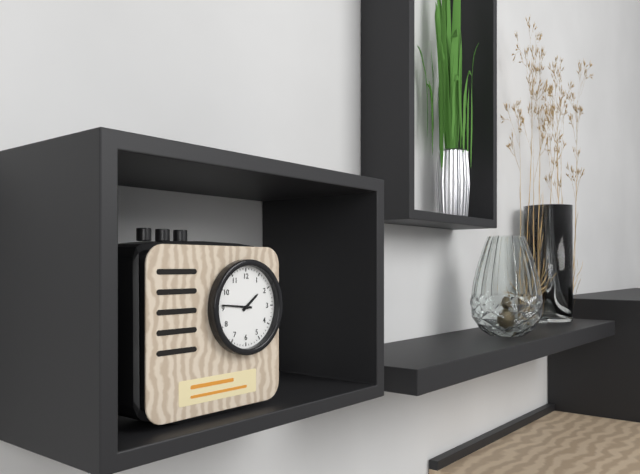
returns 1.46
